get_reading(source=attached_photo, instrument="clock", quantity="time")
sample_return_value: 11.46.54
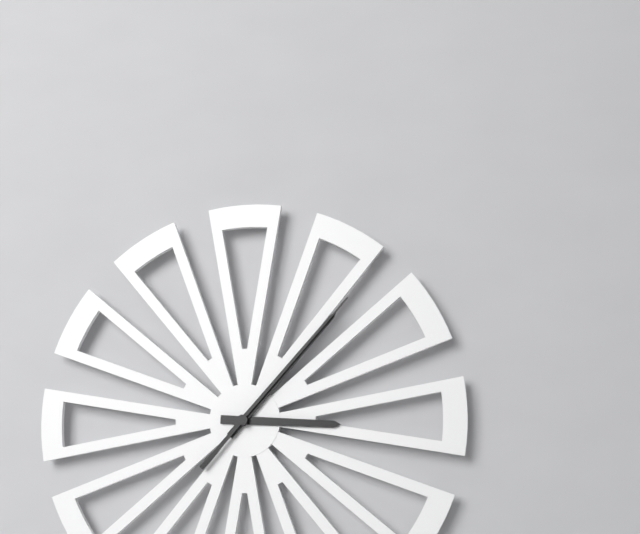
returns 3.07.07
